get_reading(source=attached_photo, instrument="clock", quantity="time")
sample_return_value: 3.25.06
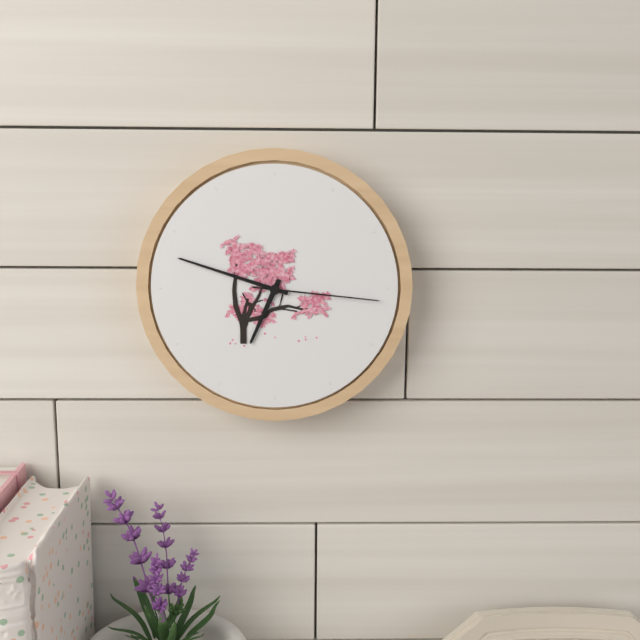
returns 6.48.16
